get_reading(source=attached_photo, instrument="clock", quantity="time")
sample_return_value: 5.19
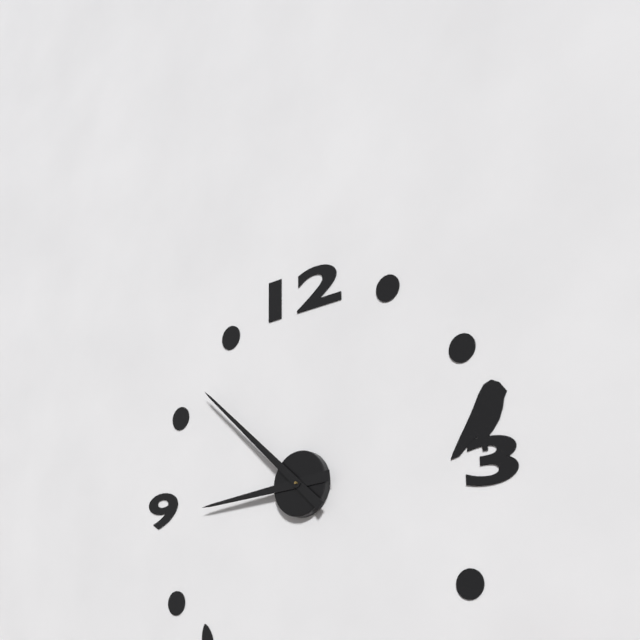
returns 8.52
